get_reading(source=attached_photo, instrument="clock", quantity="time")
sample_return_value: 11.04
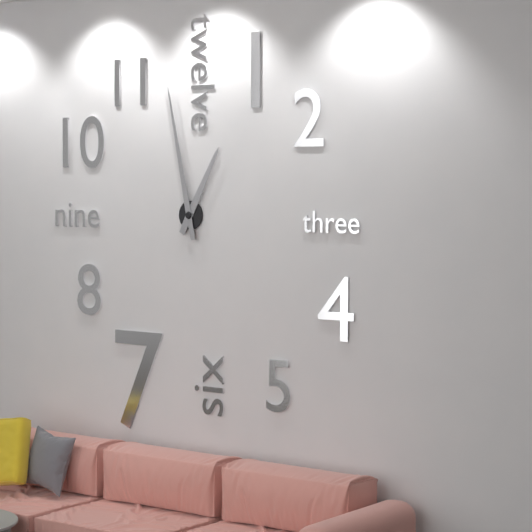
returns 12.58
